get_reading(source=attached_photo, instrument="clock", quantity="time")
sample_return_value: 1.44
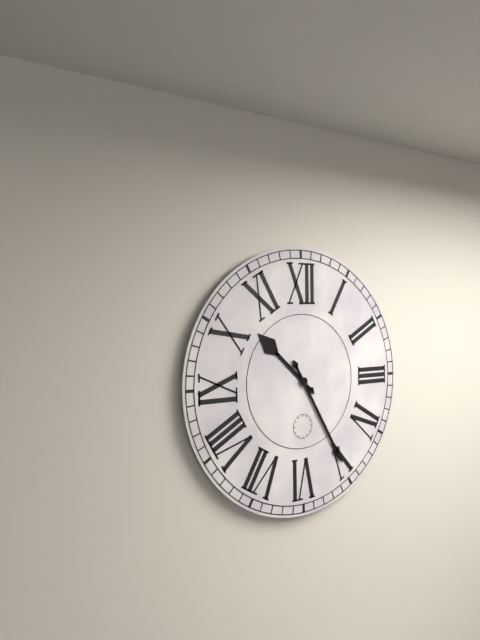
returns 10.25
